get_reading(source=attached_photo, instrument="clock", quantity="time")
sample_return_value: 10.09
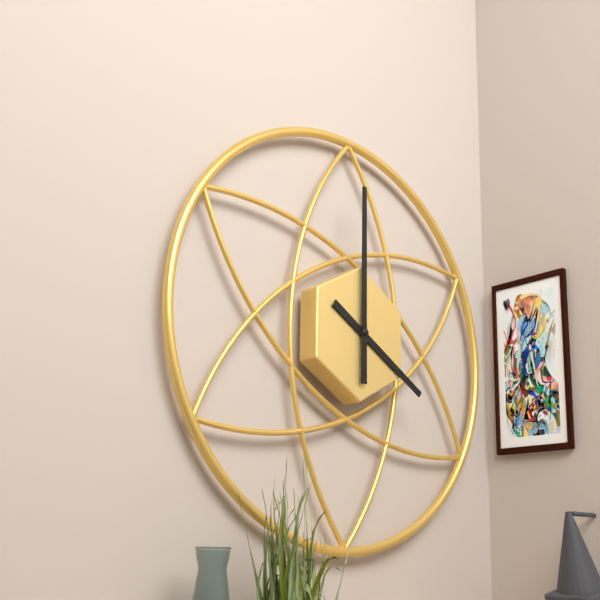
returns 4.00
